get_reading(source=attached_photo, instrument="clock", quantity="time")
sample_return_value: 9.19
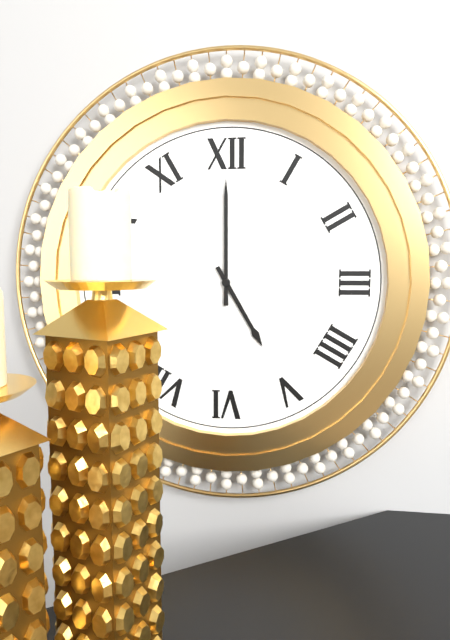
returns 5.00
